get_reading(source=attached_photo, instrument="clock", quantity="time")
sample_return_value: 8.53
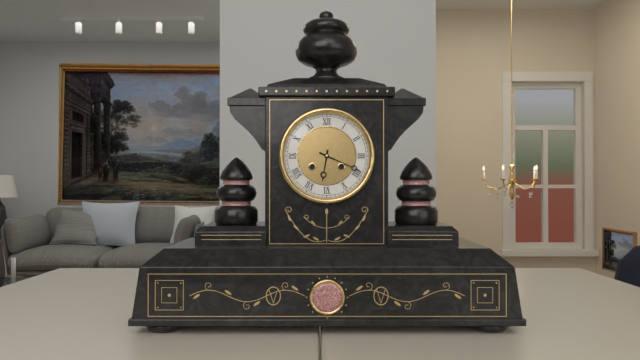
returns 6.19
